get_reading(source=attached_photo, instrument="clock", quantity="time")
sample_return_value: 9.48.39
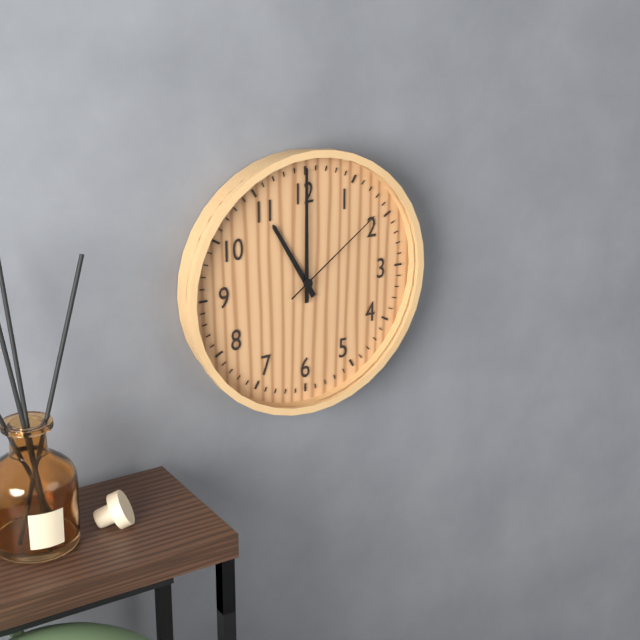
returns 11.00.09
